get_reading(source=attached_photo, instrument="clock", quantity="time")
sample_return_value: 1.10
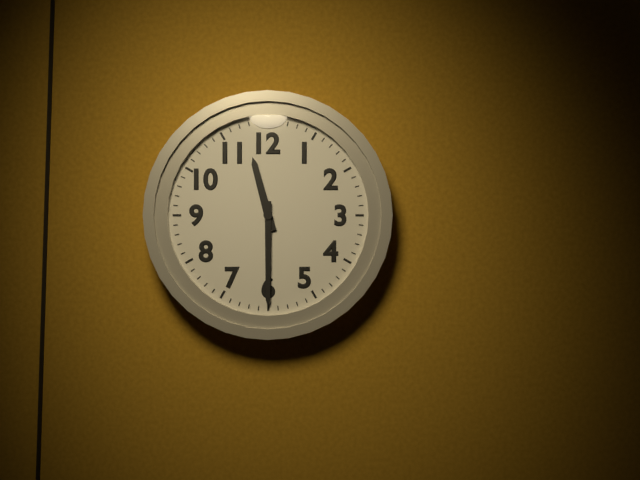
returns 11.30
